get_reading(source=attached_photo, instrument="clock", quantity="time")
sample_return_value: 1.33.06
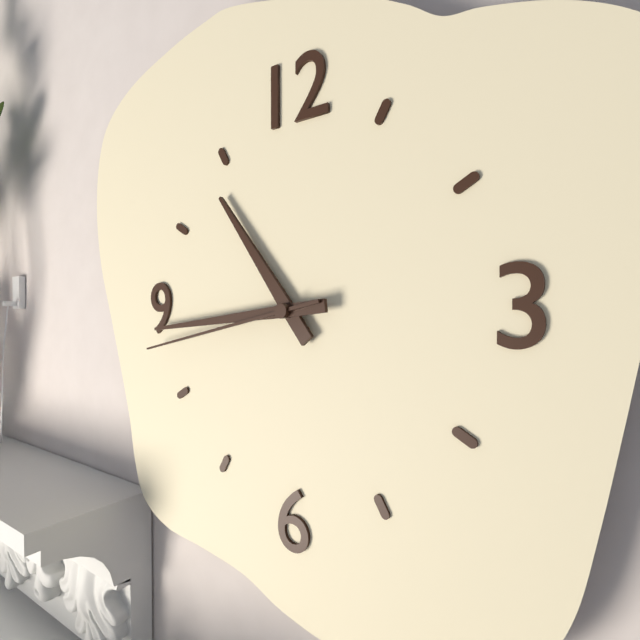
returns 10.44.43
